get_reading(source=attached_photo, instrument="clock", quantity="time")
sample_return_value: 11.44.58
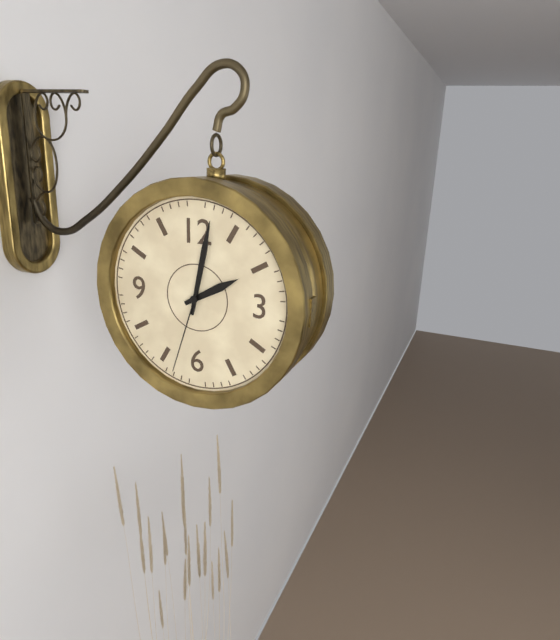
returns 2.02.33
